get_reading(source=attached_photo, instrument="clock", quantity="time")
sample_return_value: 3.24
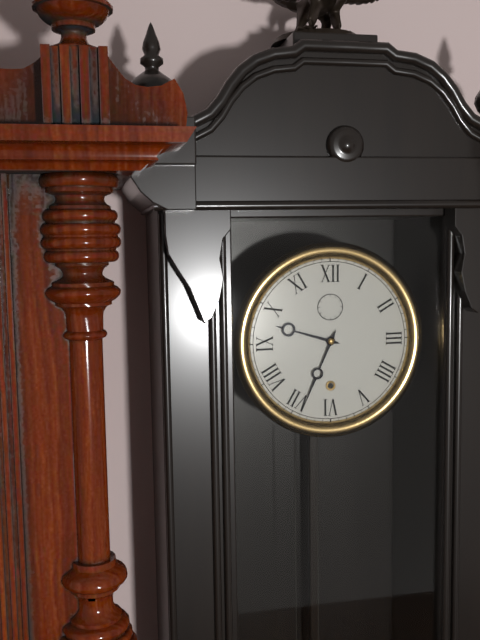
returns 9.34
